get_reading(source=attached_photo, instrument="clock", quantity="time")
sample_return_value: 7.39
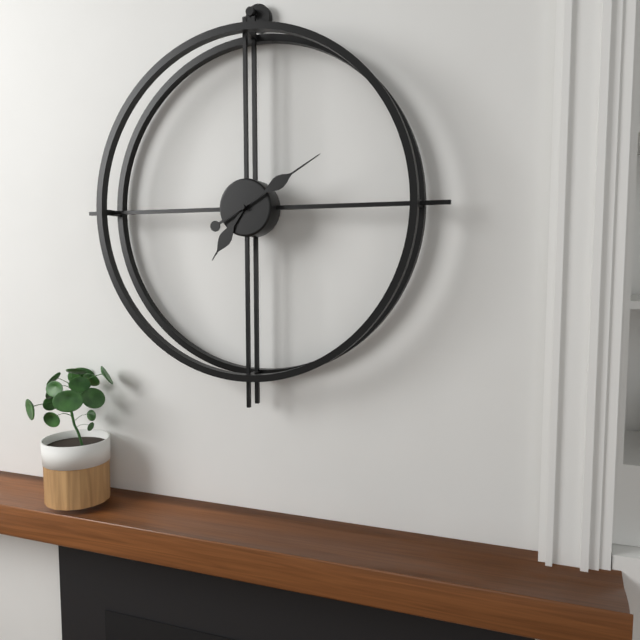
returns 7.10
